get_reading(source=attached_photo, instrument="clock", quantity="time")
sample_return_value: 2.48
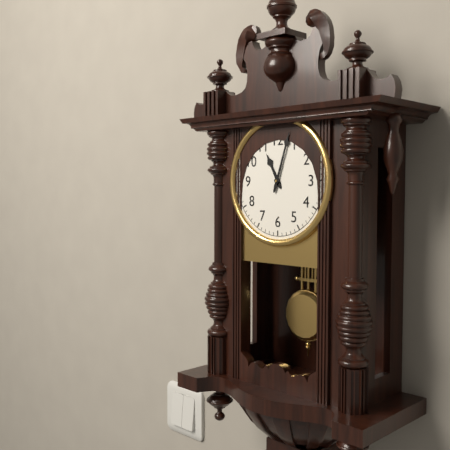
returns 11.03
